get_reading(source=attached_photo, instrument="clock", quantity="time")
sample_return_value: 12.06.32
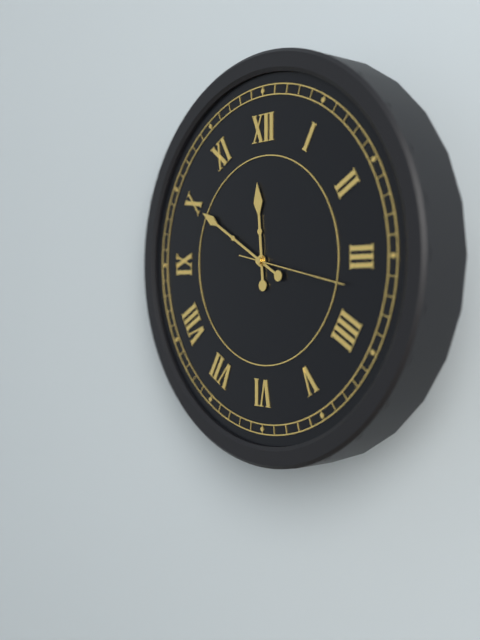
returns 11.50.17
